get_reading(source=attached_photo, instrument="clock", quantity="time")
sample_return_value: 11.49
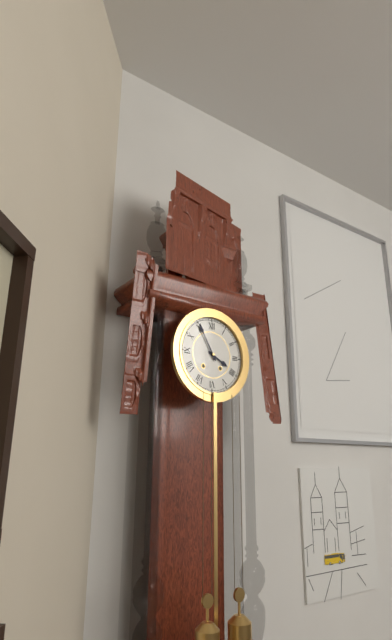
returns 3.55
